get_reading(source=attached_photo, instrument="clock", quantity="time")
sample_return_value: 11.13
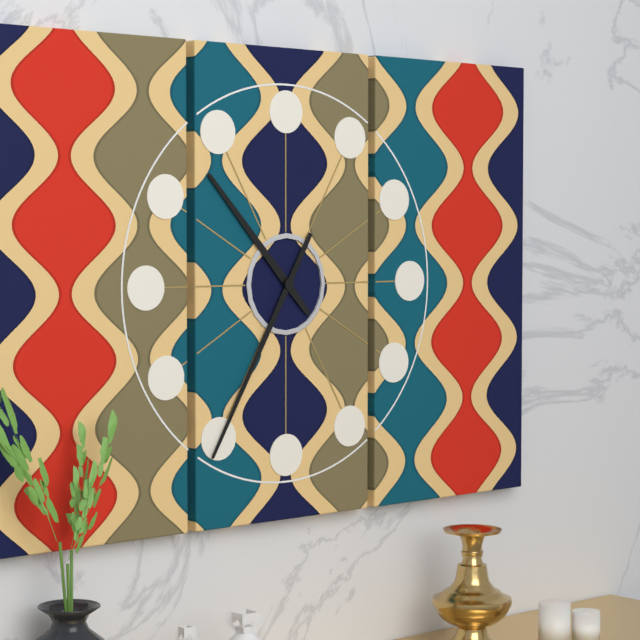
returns 10.35
